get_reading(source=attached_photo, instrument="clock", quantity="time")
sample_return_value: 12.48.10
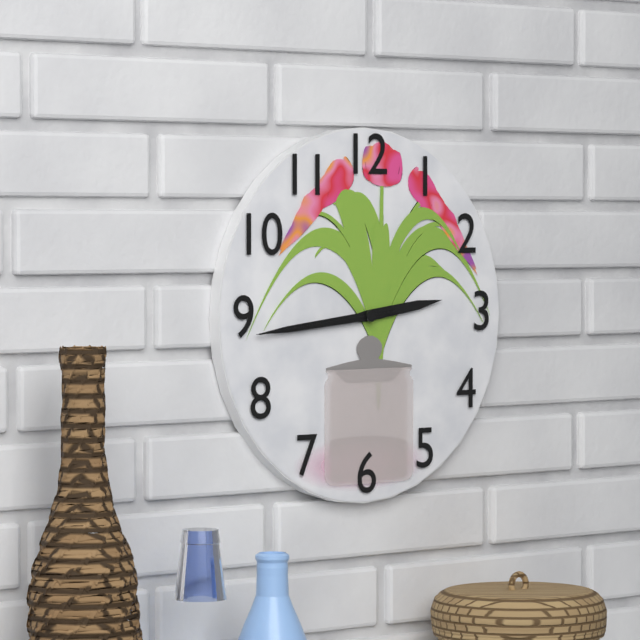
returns 2.44.44
